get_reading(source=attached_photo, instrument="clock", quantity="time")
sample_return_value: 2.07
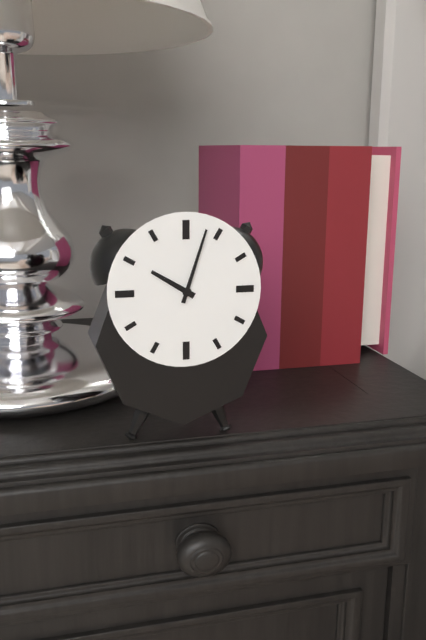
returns 10.03
